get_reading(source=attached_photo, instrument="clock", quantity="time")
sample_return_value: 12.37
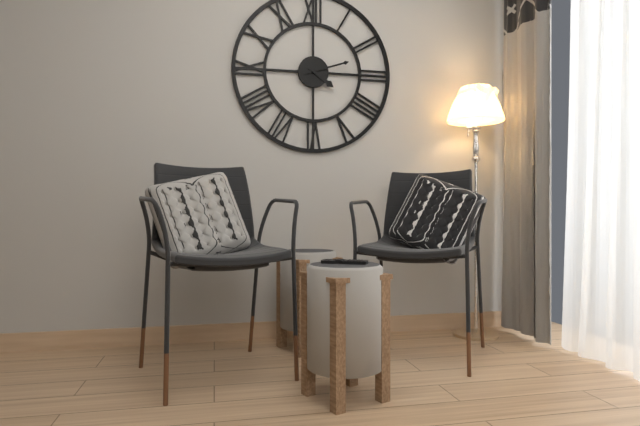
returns 4.12
